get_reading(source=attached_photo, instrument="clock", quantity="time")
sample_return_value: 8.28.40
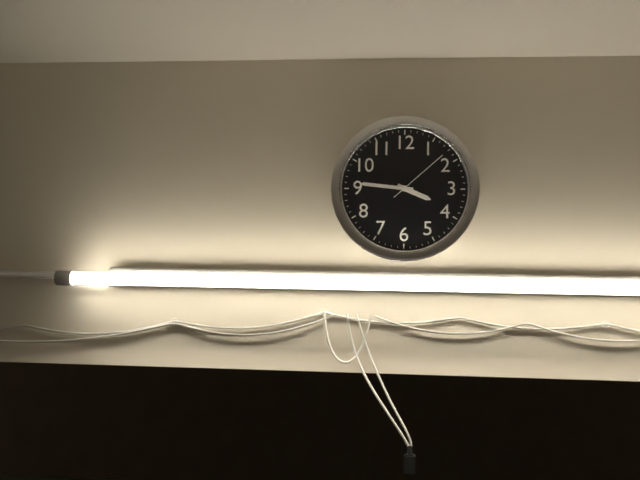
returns 3.46.08
